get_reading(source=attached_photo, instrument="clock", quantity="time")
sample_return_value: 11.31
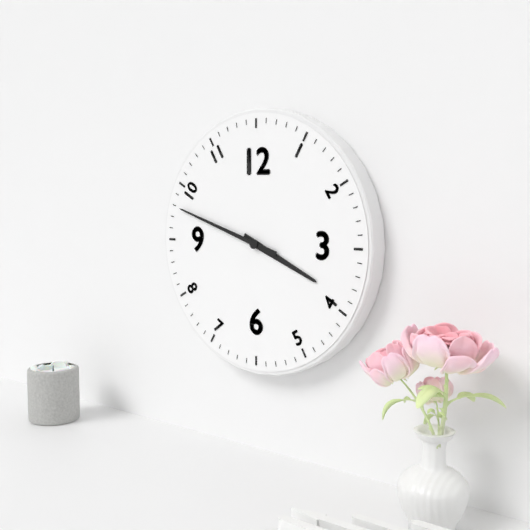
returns 3.48
